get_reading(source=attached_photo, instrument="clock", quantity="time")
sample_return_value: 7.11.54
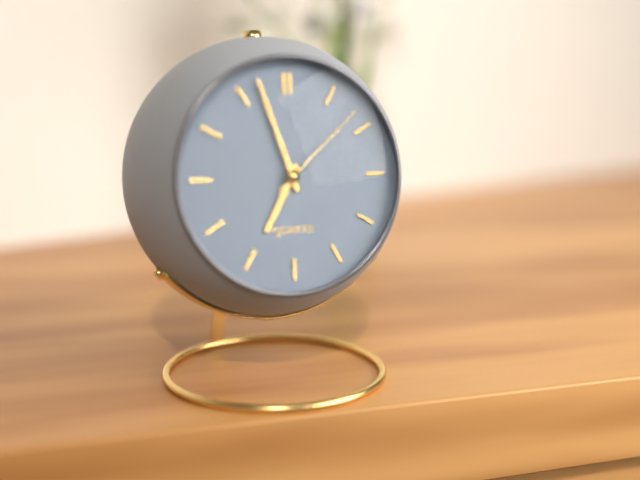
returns 6.57.08
